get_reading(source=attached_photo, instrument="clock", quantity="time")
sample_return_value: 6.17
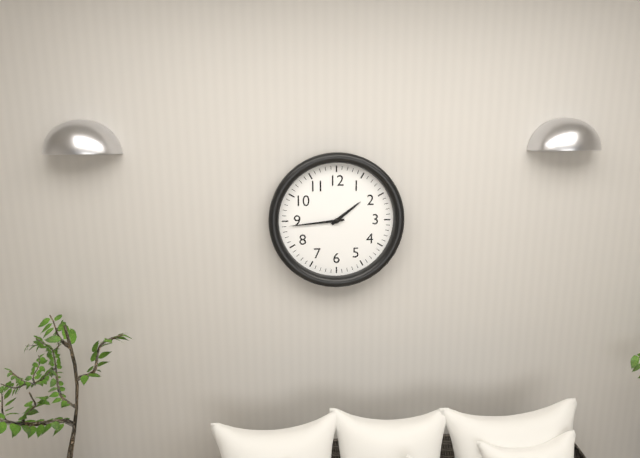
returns 1.44
